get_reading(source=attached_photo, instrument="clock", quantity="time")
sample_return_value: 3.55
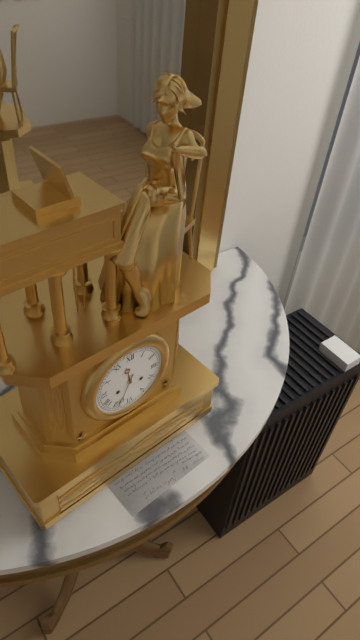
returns 11.34
